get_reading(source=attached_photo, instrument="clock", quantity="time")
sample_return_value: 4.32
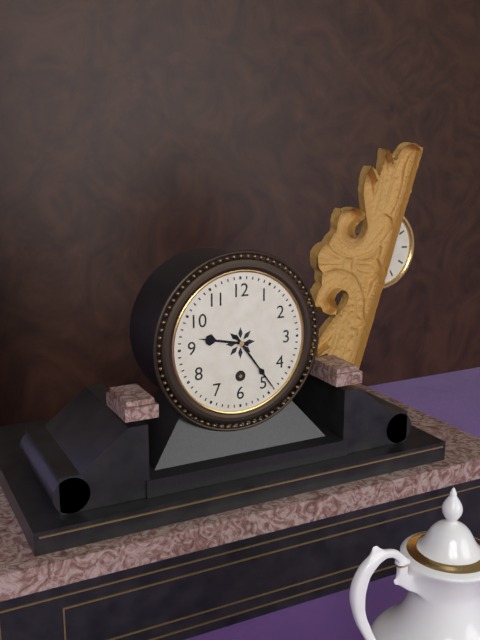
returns 9.24
